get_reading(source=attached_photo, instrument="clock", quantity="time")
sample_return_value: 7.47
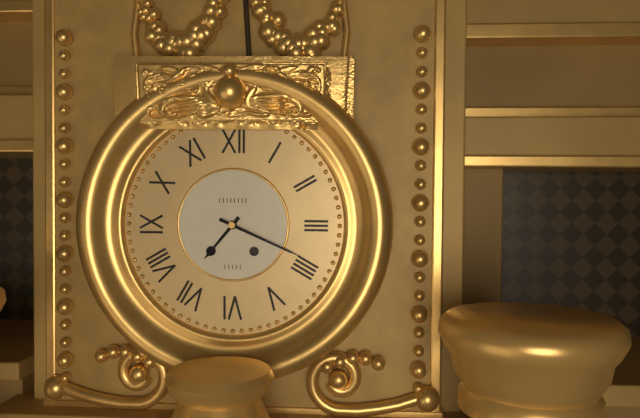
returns 7.19
